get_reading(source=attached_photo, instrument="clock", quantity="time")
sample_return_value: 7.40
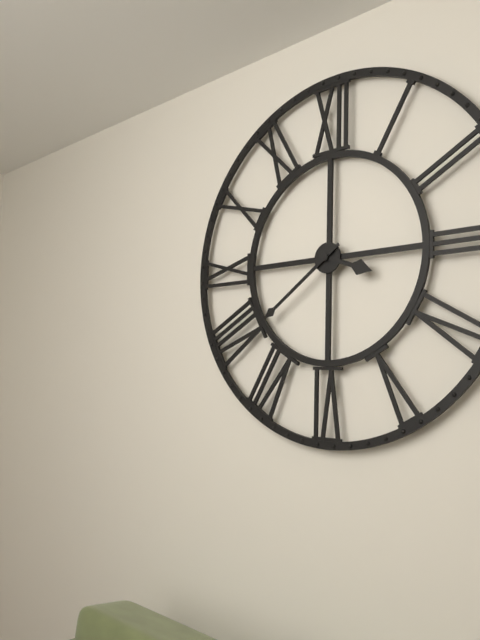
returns 3.39
